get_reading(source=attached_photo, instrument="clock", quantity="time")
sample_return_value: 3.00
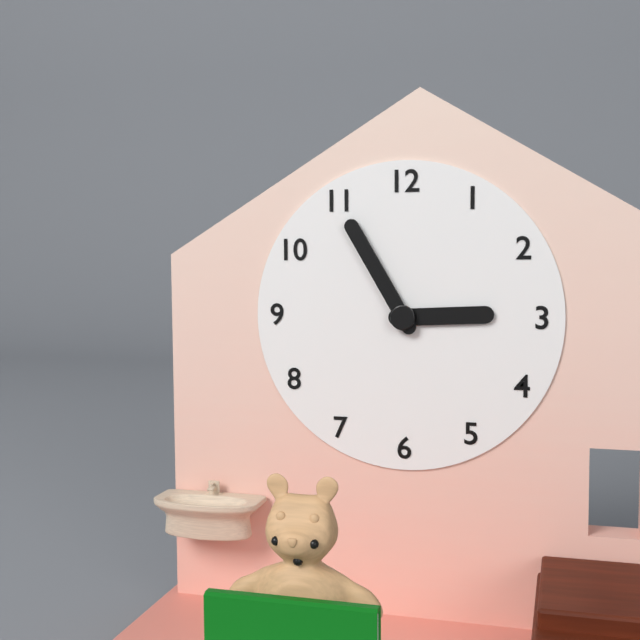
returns 2.55
